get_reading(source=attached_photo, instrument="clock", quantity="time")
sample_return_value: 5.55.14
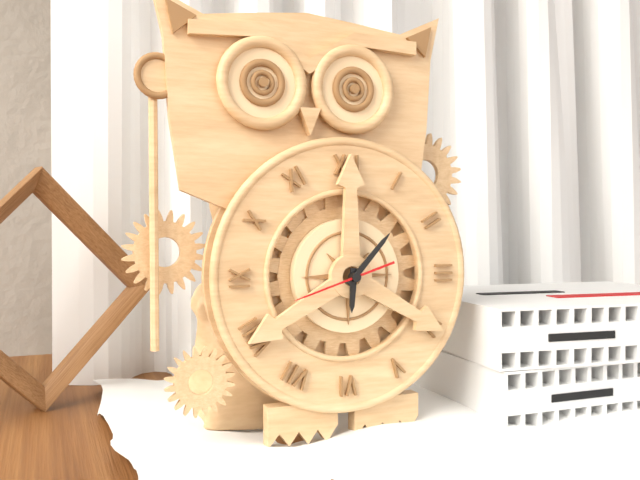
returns 6.07.42
